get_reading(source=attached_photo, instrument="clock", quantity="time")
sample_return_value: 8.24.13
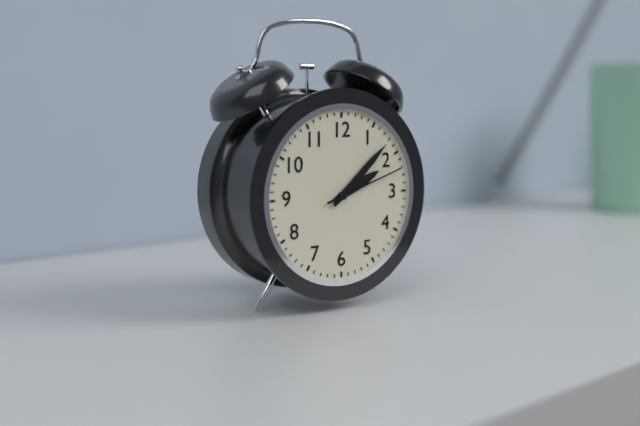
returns 2.08.12
